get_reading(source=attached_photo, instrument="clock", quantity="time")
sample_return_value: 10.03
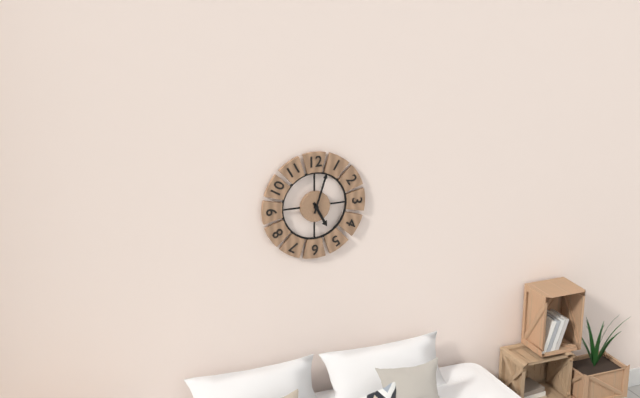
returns 5.03
